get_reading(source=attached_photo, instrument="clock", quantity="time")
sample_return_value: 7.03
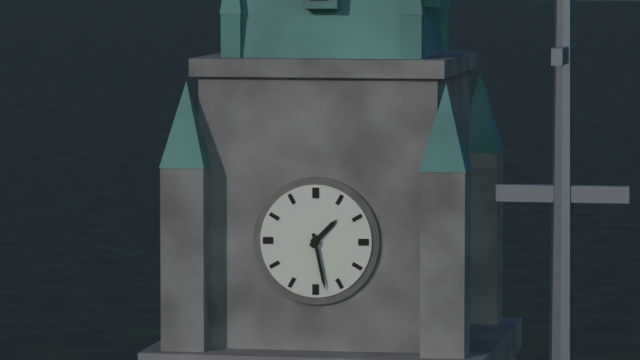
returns 1.28
